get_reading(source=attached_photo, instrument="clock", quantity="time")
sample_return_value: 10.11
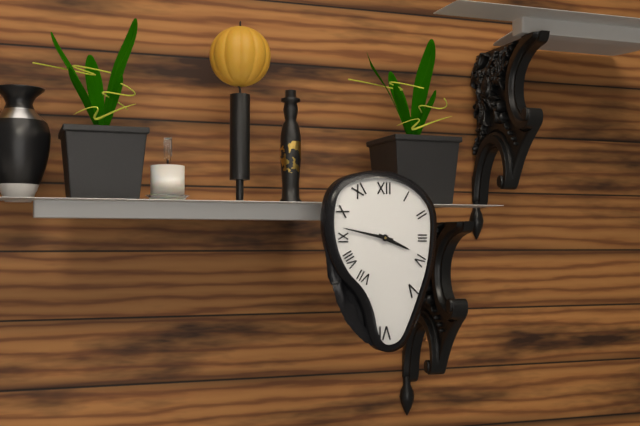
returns 3.47
